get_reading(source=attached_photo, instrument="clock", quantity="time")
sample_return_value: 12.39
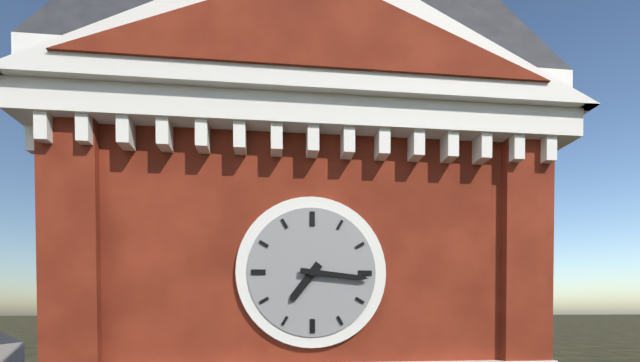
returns 7.16
